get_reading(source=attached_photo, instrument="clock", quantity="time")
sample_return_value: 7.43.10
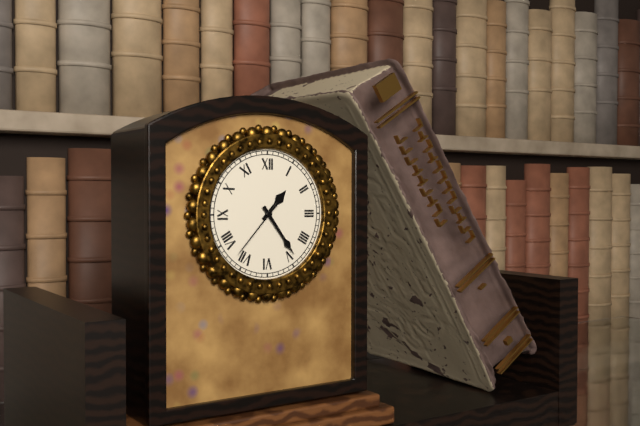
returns 1.24.37
